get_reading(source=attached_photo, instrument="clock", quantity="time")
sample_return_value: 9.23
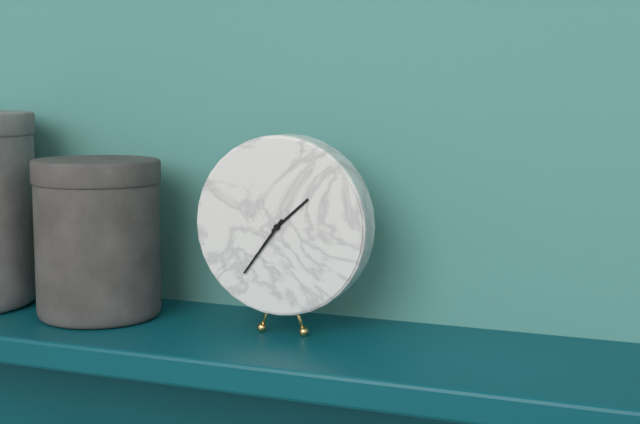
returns 1.36
